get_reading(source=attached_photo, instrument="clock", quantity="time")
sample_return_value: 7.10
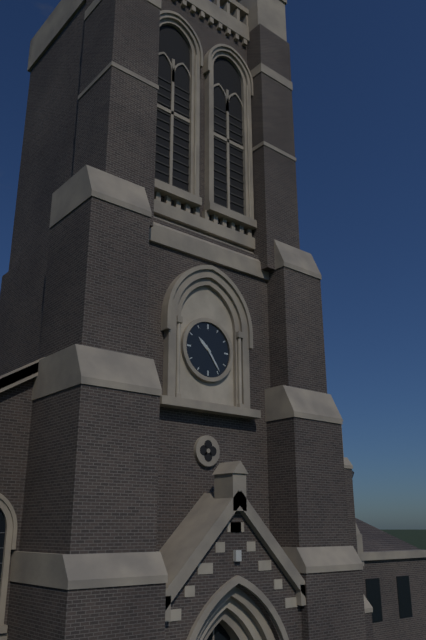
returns 10.24
